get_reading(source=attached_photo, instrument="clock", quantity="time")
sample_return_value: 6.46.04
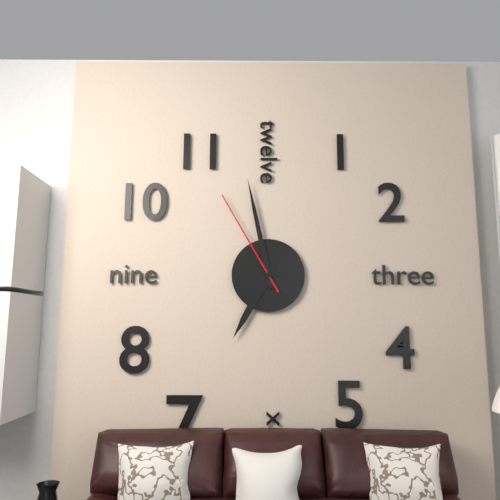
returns 6.58.55
